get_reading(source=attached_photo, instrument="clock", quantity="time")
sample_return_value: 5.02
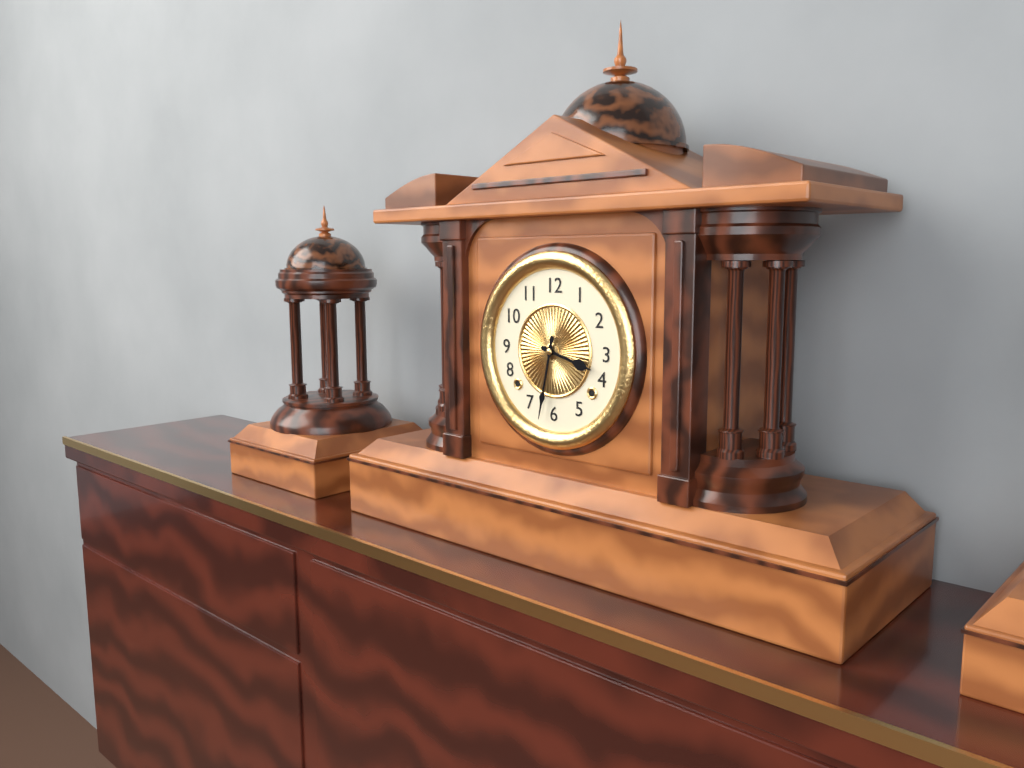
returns 3.32
